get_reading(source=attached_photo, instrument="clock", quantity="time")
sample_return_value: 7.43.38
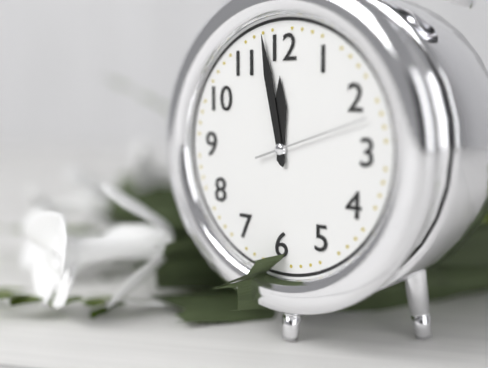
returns 11.58.12
